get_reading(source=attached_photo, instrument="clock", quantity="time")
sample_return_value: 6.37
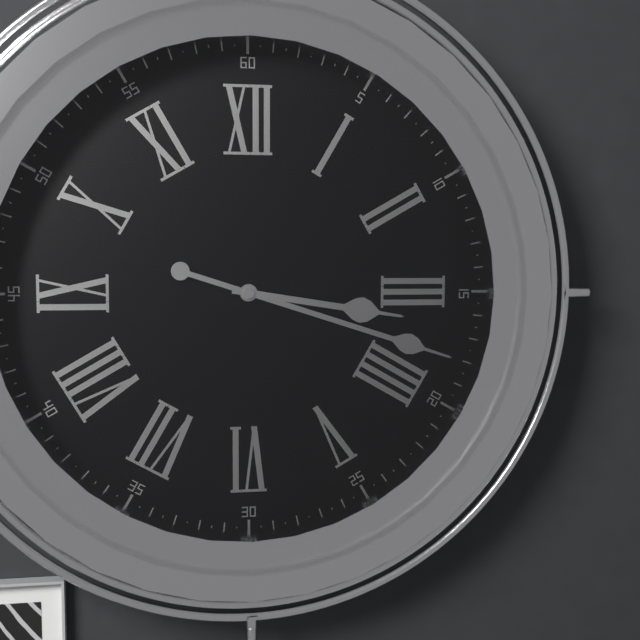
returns 3.18
